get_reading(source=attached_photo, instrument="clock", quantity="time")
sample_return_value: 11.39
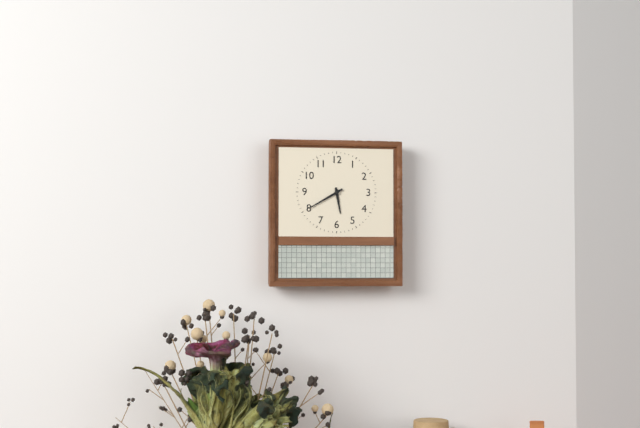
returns 5.40
